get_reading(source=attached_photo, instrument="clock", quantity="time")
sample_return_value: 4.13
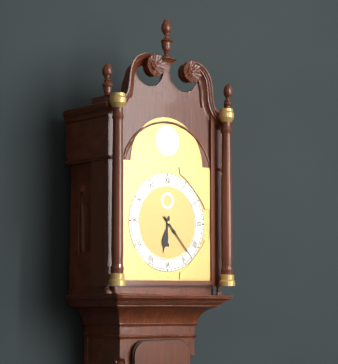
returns 6.23
